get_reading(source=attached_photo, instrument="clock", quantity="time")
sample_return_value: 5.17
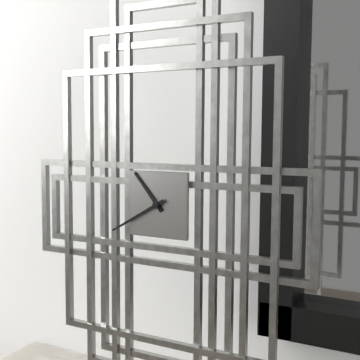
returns 10.40
